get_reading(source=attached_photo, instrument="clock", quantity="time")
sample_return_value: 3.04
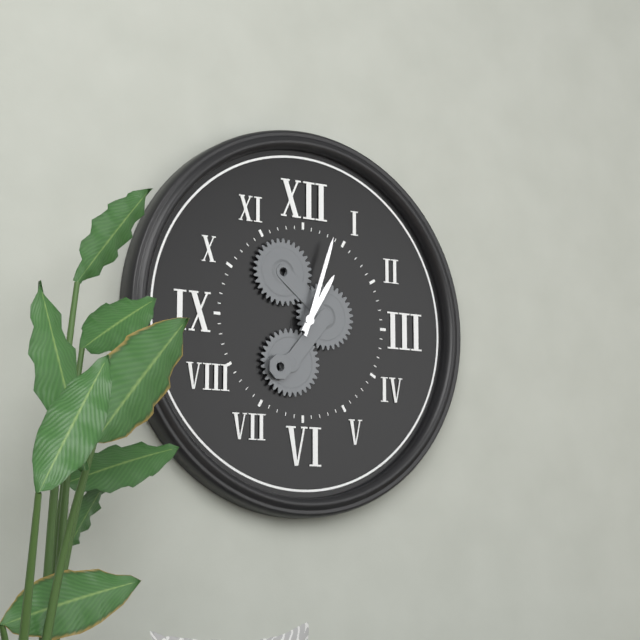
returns 1.03
